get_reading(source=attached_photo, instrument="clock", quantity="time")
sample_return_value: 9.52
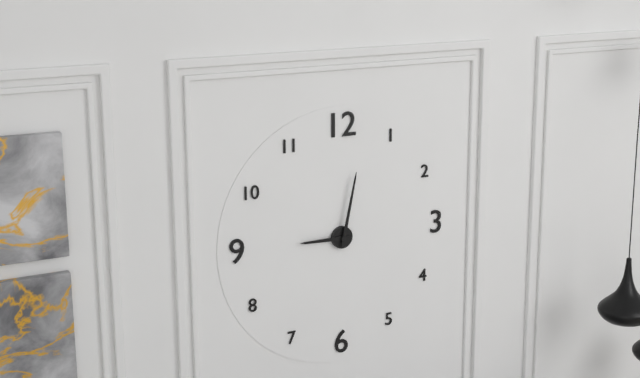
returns 9.02
